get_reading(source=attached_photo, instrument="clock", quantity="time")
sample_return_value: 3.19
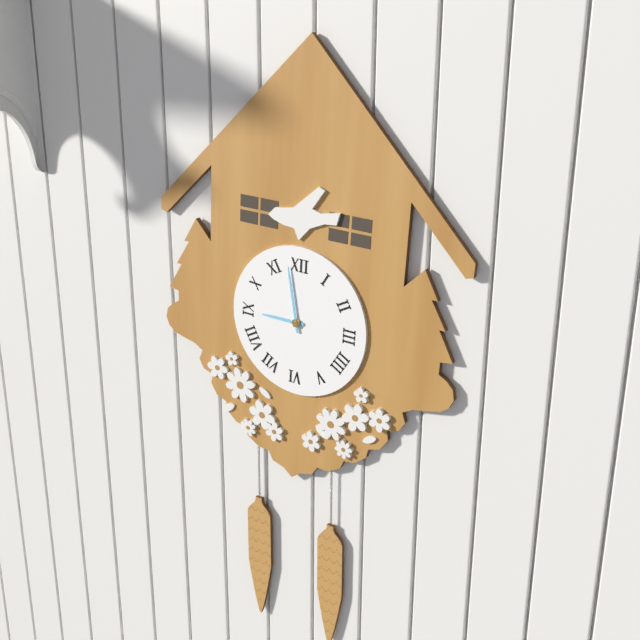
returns 8.58
